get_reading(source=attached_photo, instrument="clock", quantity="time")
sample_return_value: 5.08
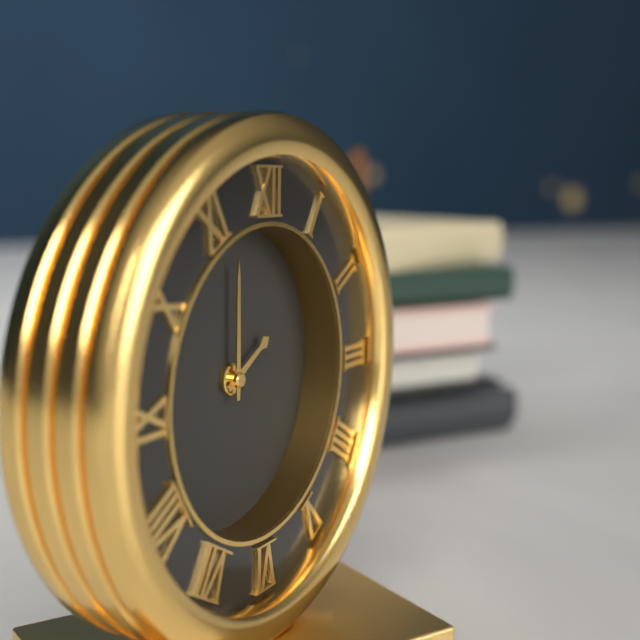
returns 2.00
